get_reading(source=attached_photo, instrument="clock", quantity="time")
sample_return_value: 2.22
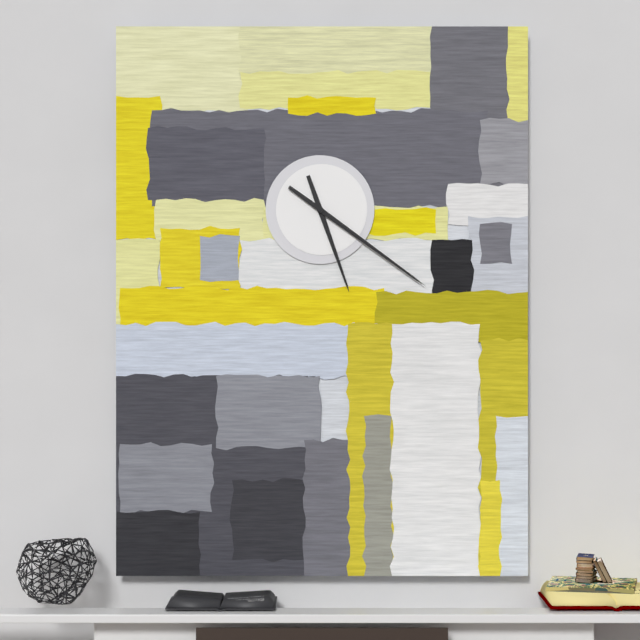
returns 5.21
